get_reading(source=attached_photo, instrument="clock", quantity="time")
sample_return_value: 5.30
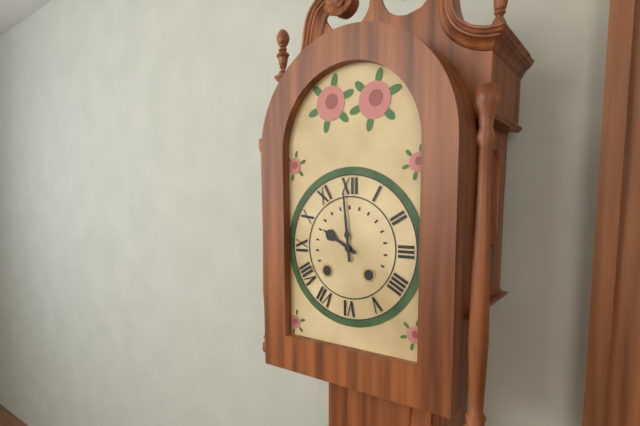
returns 9.59
